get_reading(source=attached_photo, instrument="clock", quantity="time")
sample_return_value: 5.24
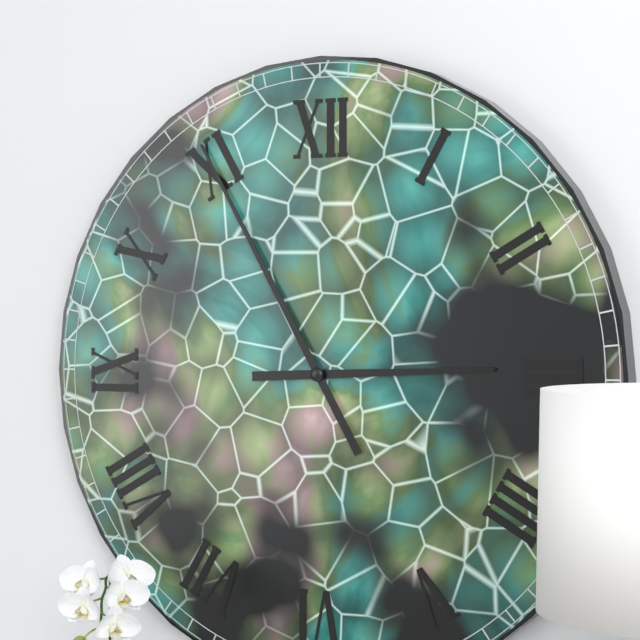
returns 2.55
